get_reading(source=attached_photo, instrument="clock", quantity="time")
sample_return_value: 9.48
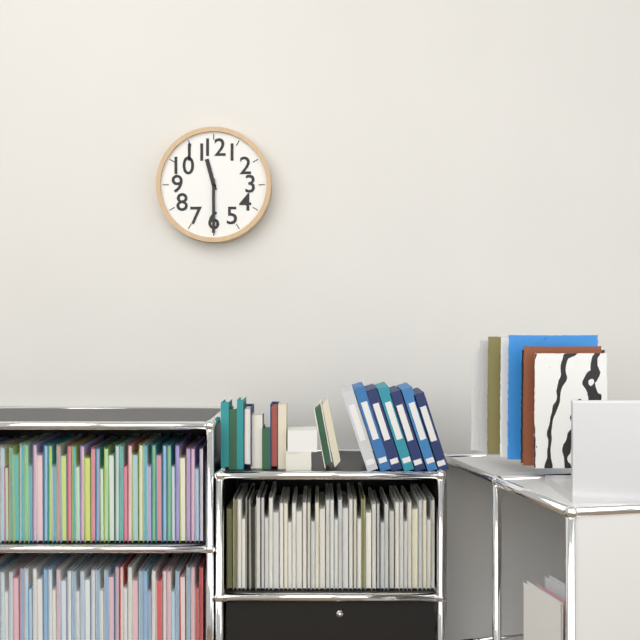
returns 11.30
